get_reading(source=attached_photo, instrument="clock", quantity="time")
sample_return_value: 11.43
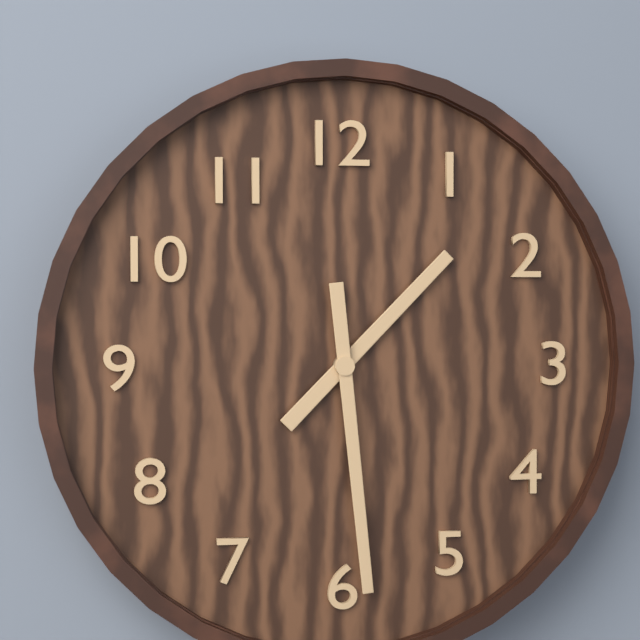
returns 1.29
